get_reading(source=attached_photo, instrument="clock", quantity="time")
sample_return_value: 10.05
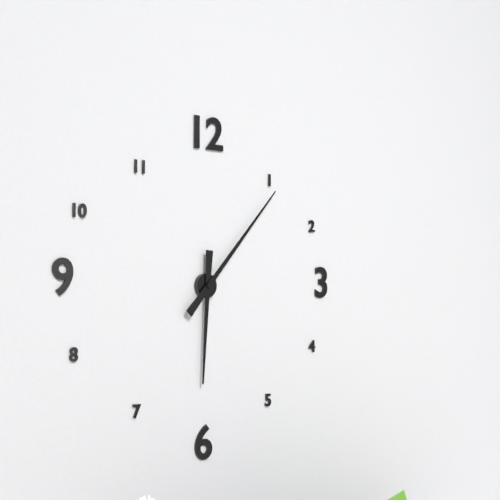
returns 6.07
